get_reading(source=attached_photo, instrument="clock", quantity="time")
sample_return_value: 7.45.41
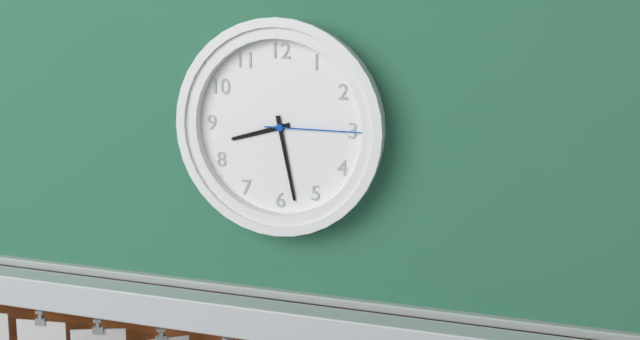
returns 8.28.15
